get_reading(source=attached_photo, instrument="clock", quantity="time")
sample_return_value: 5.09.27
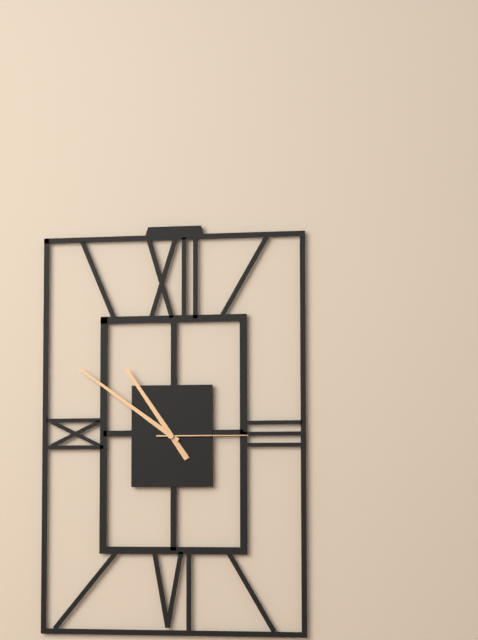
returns 10.51.15
